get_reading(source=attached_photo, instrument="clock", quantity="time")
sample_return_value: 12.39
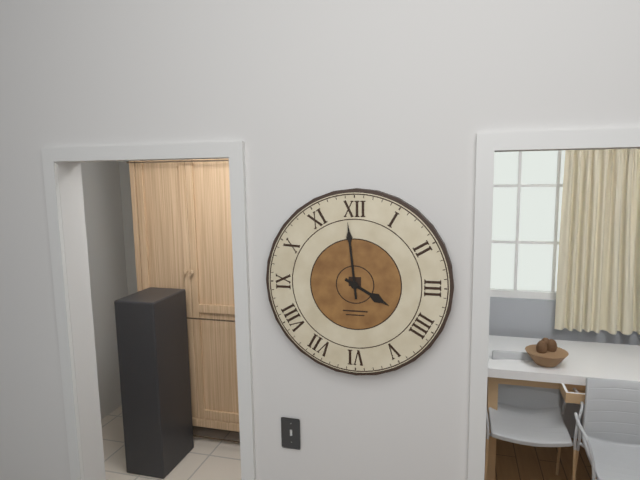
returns 3.59
